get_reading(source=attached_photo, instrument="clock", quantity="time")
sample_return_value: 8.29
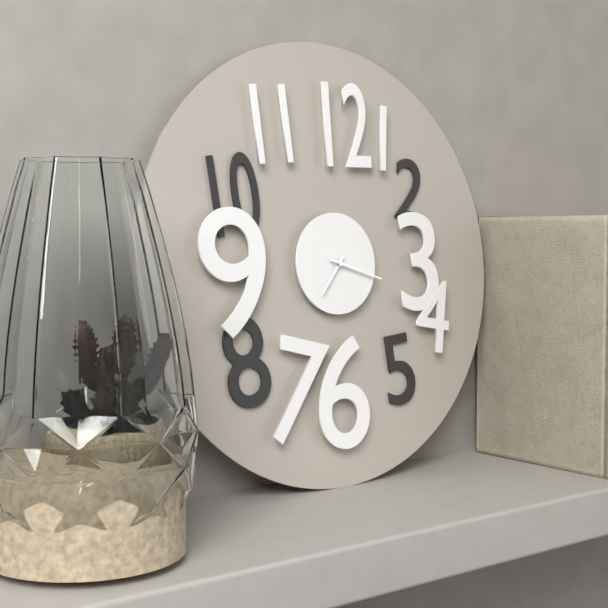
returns 7.18
